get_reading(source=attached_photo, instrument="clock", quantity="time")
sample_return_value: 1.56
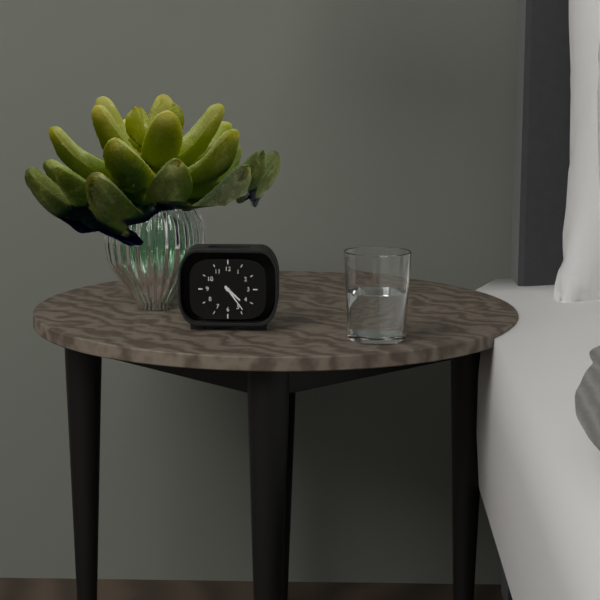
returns 4.24
